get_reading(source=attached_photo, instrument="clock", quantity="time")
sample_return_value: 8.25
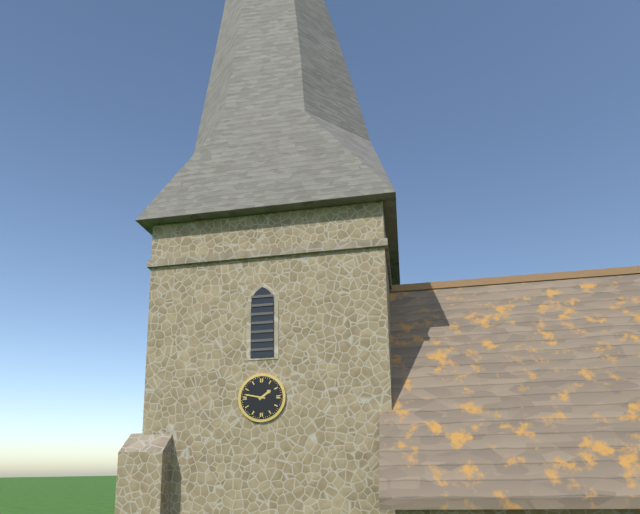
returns 1.47
